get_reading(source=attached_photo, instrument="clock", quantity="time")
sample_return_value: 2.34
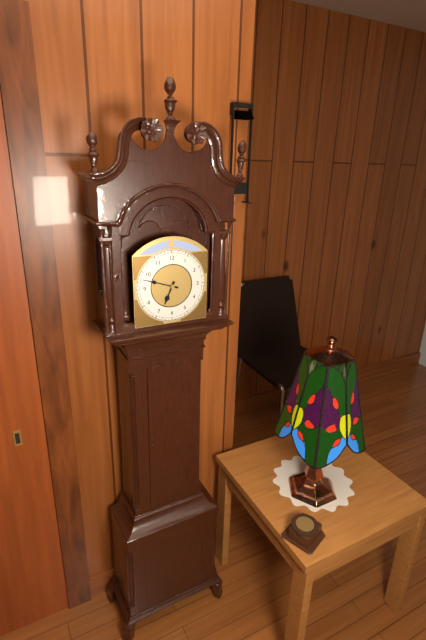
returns 6.48
